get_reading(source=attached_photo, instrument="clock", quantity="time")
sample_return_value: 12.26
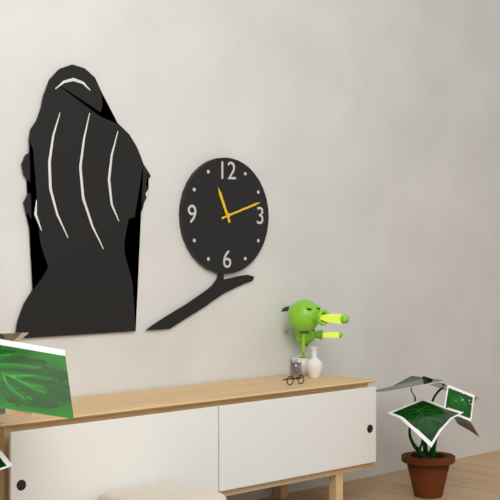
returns 11.12
